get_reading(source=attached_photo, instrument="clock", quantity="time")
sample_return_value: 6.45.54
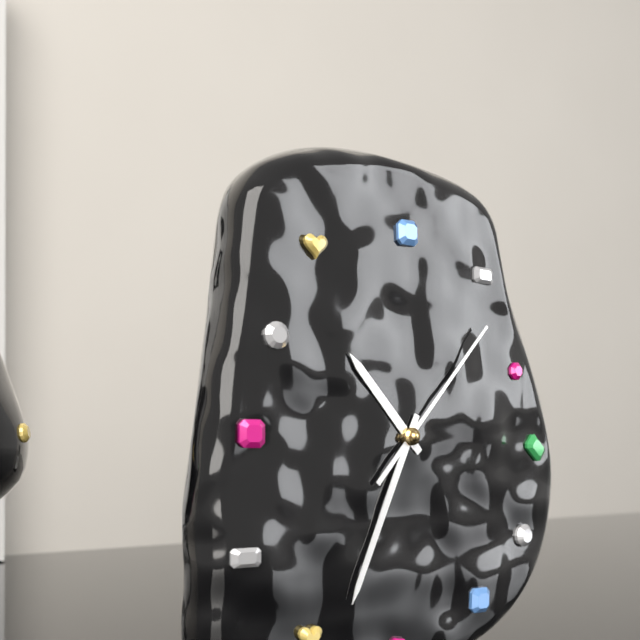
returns 10.34.07
